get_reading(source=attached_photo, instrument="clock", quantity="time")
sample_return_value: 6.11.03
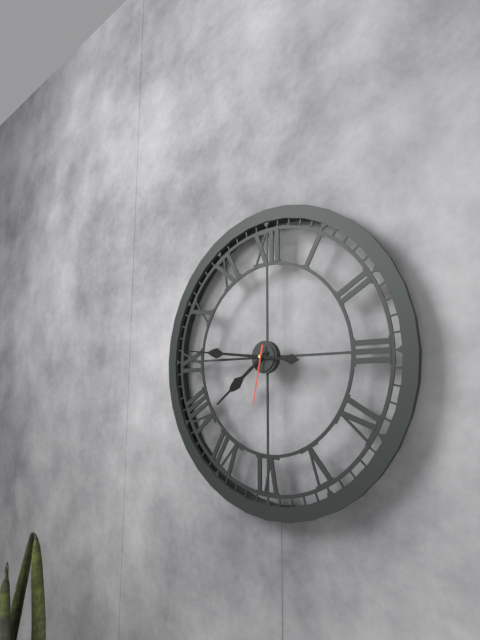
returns 7.46.32
